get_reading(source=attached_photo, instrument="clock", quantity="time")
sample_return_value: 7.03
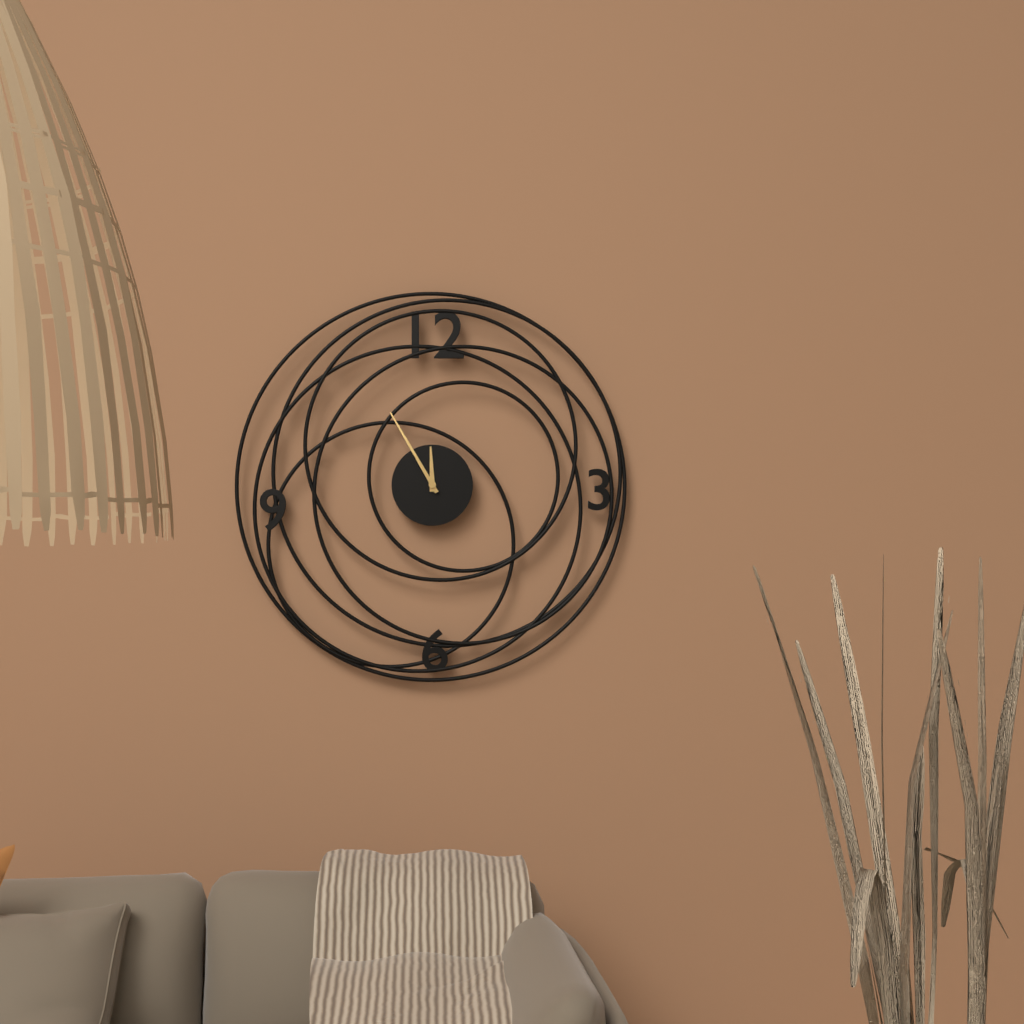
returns 11.55
